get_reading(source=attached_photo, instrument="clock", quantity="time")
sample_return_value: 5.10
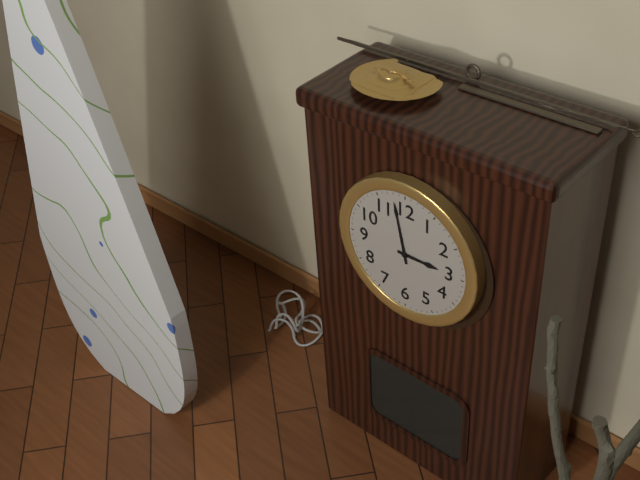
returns 2.58
